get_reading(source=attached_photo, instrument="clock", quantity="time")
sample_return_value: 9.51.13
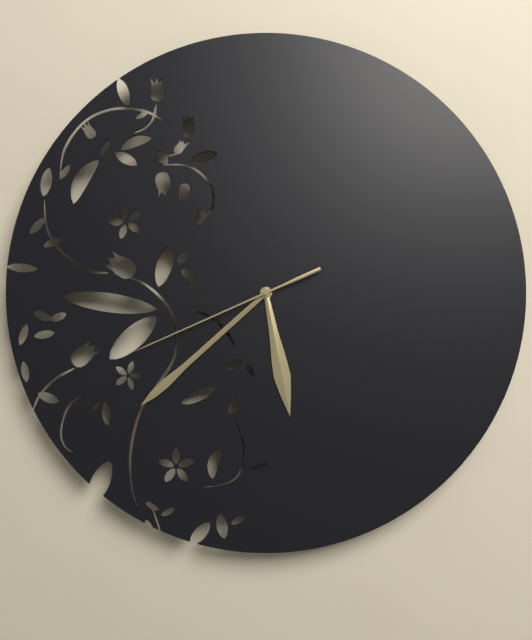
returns 5.38.41
